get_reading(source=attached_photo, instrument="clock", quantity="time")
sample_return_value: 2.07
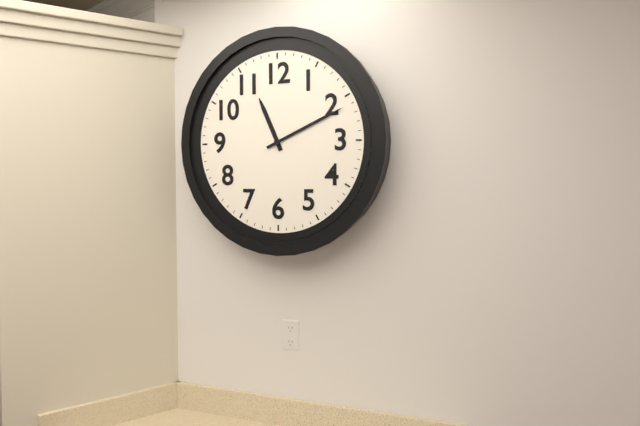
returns 11.11
